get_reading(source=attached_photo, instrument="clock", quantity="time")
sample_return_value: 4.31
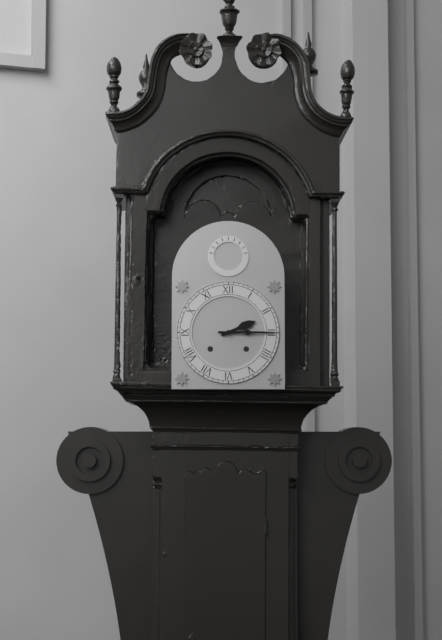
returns 2.15
